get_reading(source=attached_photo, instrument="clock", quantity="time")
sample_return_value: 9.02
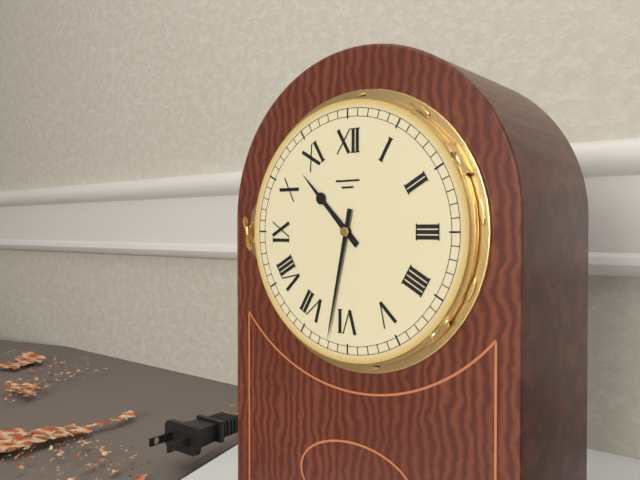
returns 10.32
